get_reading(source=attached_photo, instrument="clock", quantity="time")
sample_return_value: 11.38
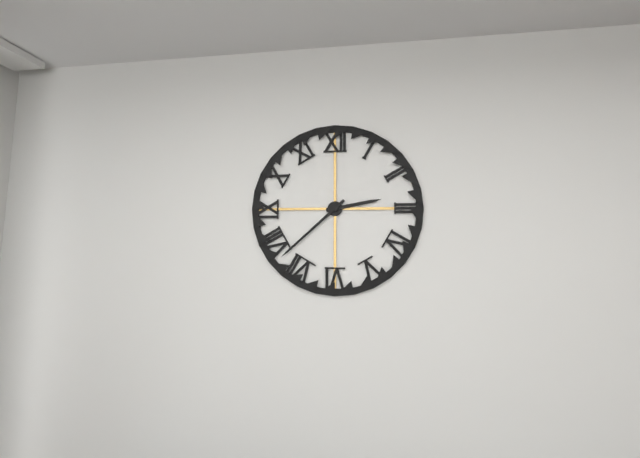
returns 2.38
